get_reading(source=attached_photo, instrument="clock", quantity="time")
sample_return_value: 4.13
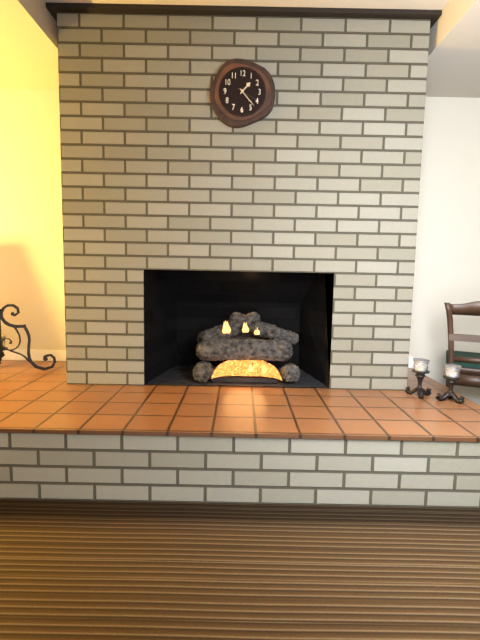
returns 1.23
